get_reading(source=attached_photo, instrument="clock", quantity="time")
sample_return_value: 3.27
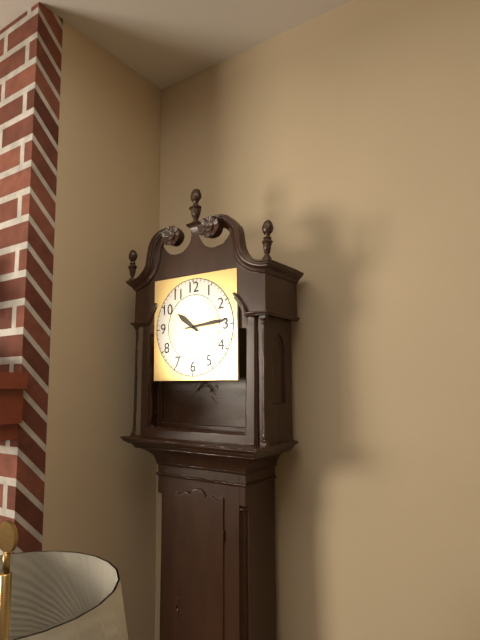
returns 10.14
